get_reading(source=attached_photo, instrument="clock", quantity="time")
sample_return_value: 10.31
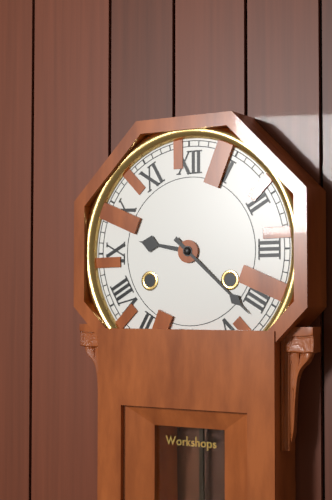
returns 9.22
